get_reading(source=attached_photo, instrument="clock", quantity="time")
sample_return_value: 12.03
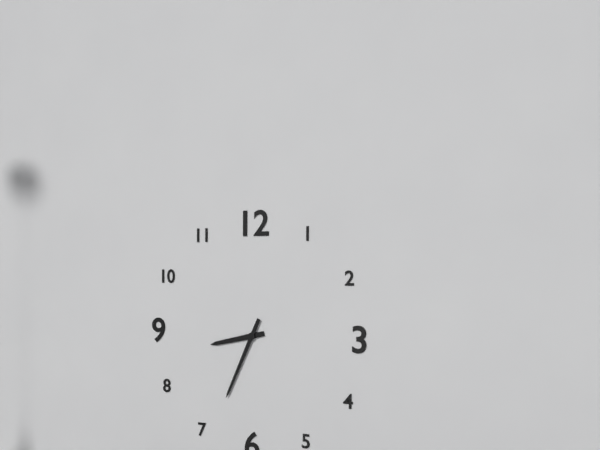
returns 8.34
